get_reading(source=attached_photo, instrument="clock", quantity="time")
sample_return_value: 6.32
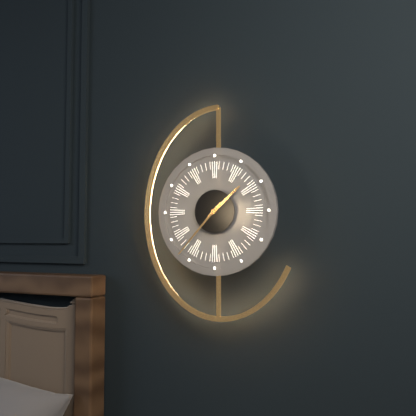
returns 1.37
